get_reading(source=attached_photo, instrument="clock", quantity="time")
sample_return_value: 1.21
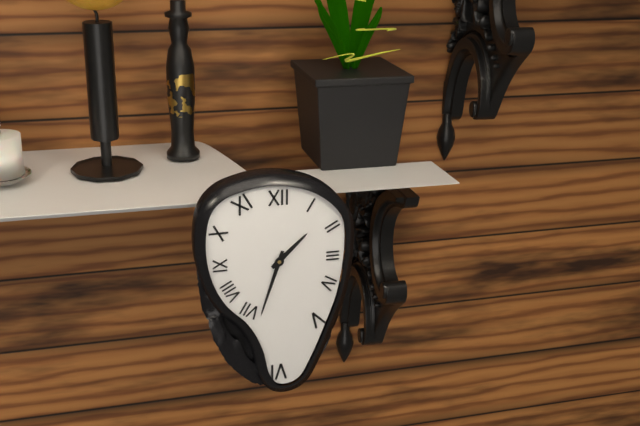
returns 1.33
